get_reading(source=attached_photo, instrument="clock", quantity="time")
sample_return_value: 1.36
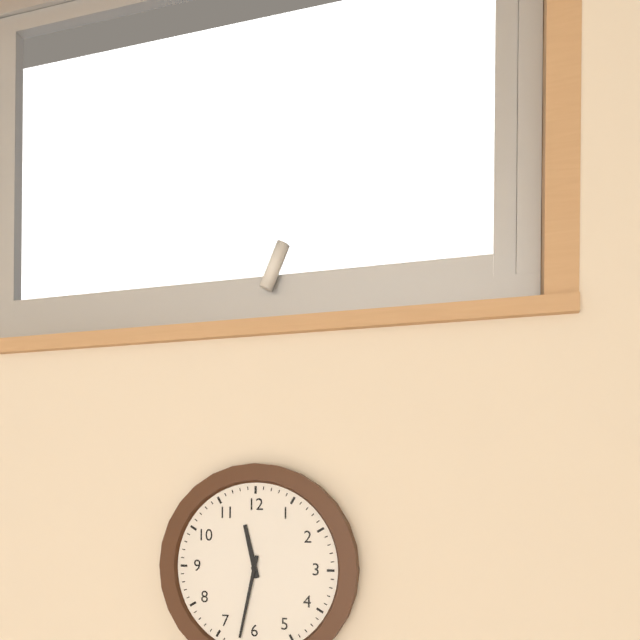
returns 11.32
